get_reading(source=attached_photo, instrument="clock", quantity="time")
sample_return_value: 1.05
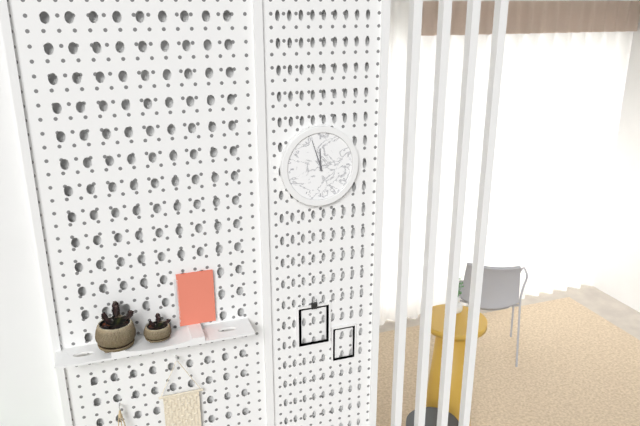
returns 11.57
